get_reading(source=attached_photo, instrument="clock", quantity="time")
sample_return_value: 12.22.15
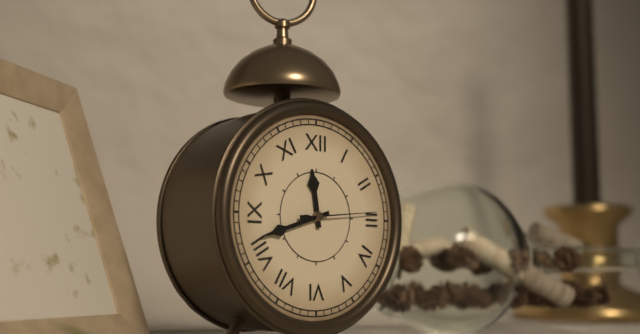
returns 11.42.14
